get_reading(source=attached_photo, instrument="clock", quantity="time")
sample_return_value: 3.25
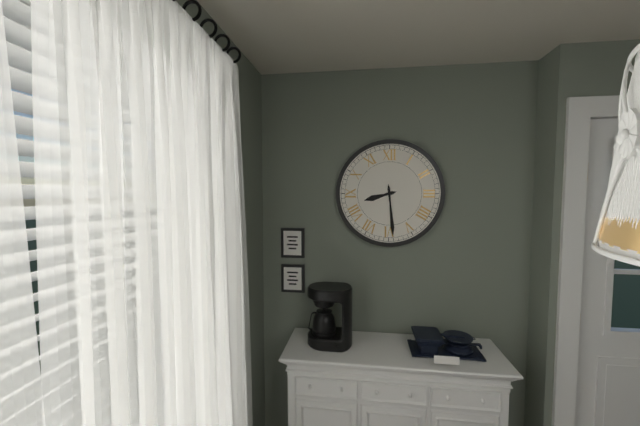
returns 8.29
